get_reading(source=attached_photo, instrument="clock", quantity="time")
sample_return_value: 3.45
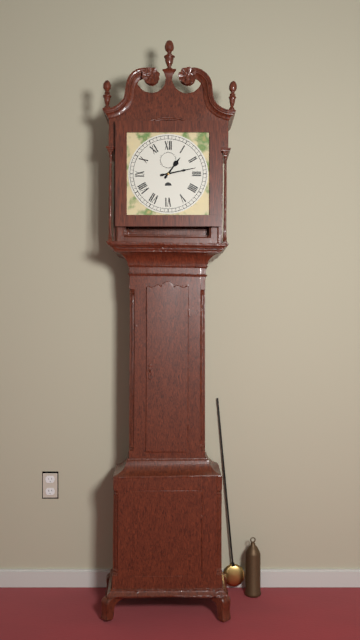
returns 1.13
